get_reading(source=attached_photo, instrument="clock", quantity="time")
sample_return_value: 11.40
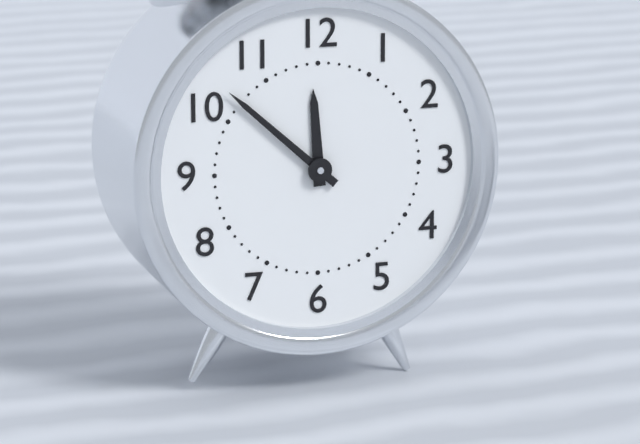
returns 11.52
